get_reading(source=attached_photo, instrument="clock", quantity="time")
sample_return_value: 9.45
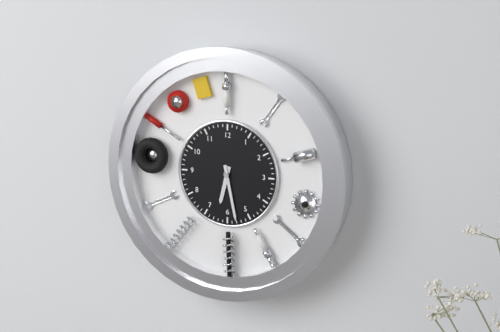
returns 6.28
